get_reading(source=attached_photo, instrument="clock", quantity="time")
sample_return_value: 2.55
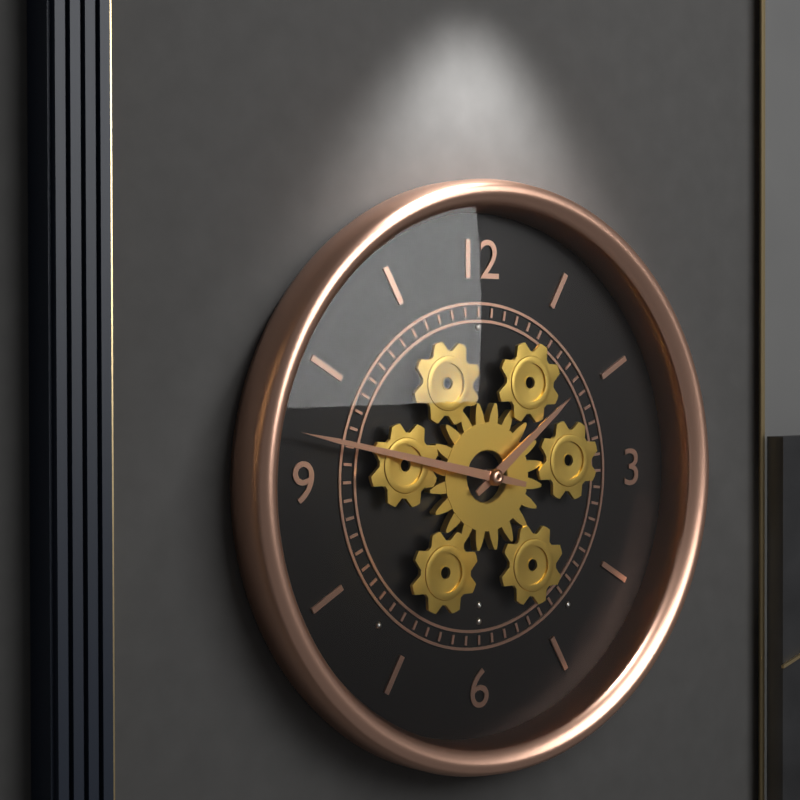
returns 1.47
